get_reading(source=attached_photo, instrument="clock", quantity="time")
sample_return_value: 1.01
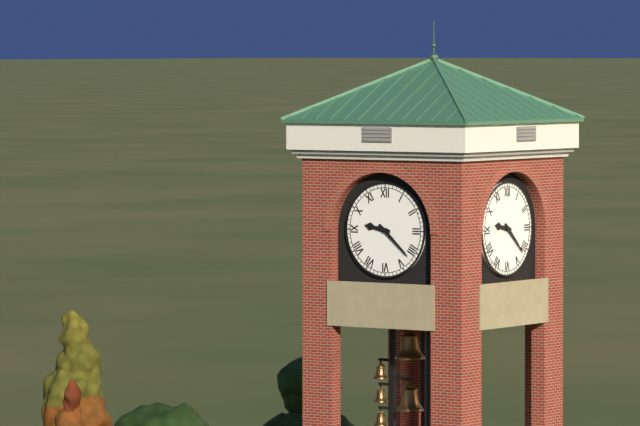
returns 9.22
